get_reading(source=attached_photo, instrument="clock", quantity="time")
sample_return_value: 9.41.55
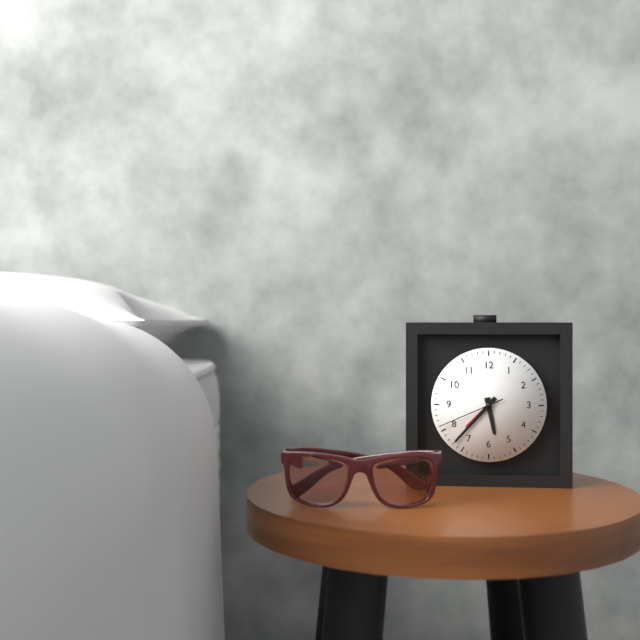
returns 5.37.41
